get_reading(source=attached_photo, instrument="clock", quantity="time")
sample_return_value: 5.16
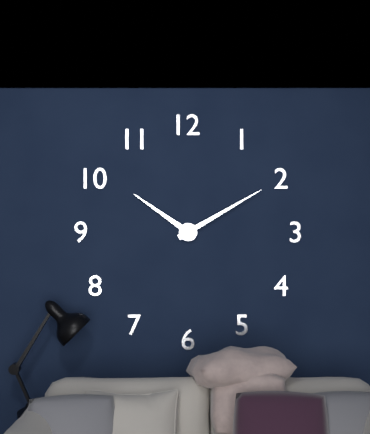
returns 10.10
